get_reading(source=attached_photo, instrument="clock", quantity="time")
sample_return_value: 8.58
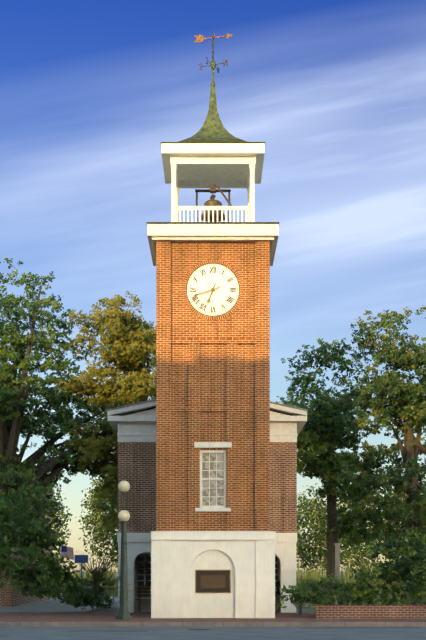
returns 6.42
